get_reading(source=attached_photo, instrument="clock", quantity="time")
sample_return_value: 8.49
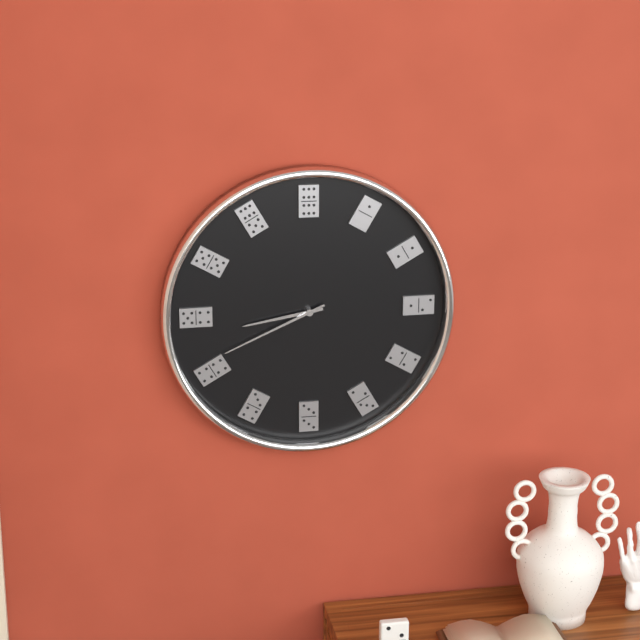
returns 8.41
